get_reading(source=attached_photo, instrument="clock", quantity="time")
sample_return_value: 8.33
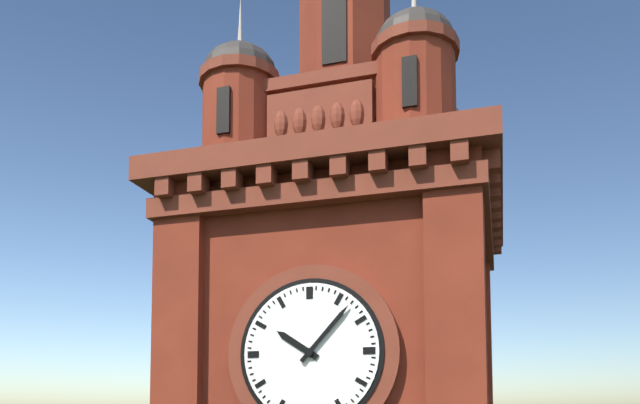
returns 10.07
